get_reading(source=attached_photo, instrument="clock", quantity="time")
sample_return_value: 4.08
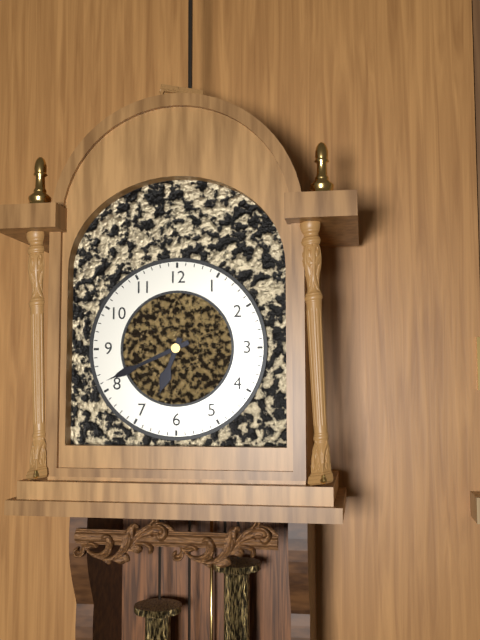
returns 6.41
